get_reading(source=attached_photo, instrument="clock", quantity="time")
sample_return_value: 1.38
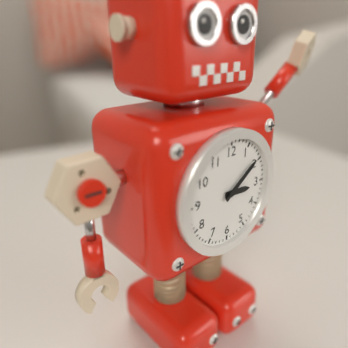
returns 3.09
